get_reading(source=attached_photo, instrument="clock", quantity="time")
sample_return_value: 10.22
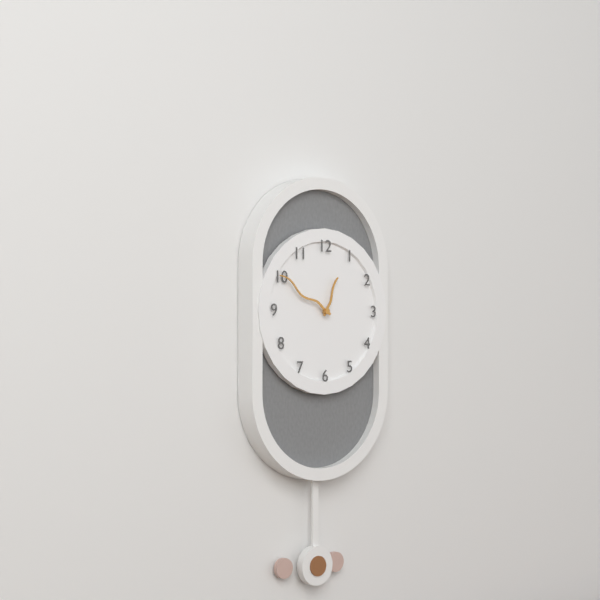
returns 12.50
